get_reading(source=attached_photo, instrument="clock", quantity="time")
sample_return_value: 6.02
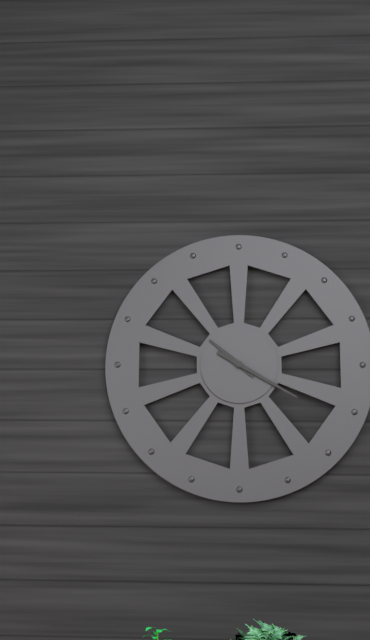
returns 10.20
